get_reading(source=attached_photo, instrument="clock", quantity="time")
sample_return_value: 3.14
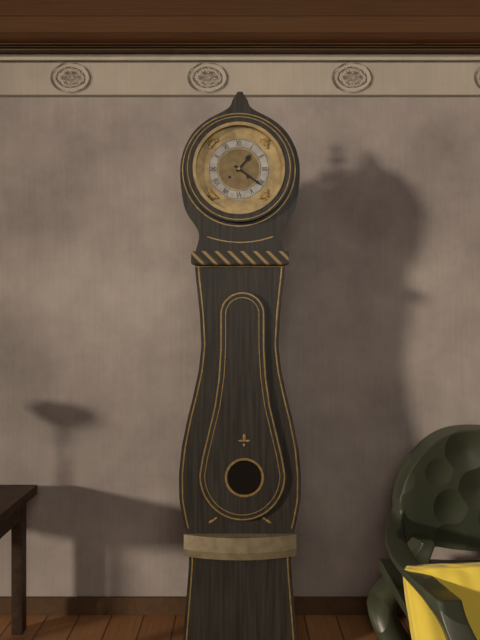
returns 1.21
